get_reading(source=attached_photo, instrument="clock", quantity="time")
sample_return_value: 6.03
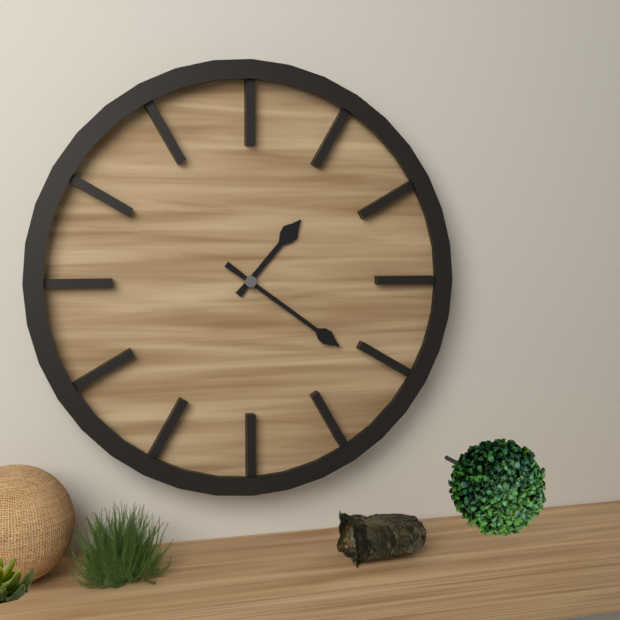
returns 1.21
